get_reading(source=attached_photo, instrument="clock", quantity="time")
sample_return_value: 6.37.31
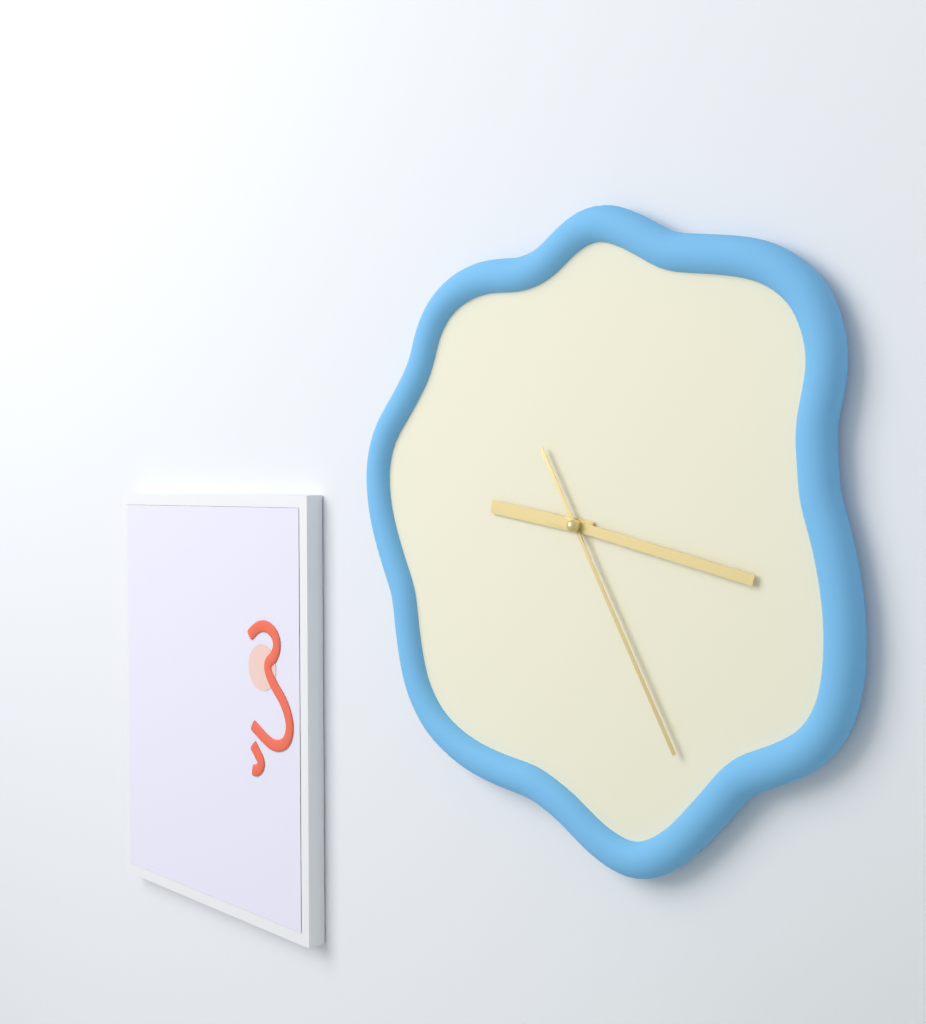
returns 9.17.25
